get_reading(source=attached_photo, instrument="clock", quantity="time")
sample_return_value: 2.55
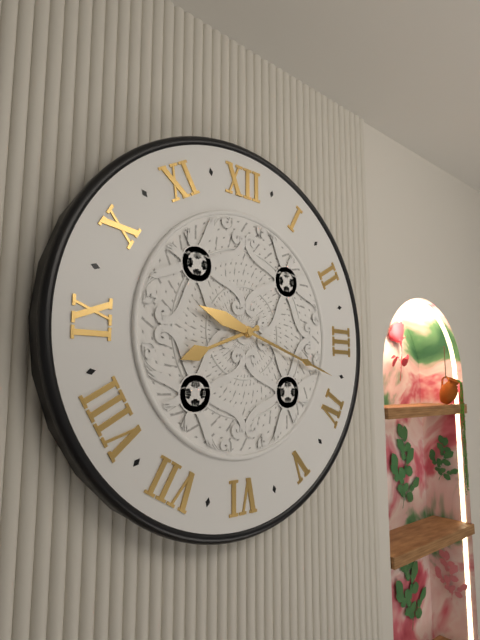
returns 8.18
